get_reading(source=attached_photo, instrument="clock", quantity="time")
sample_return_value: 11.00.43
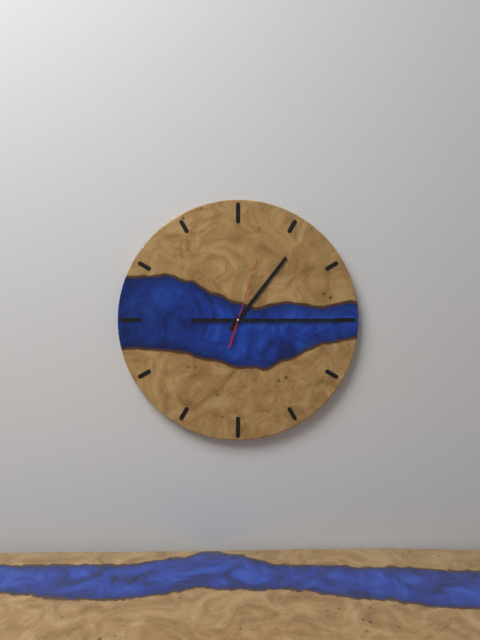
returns 1.15.03
